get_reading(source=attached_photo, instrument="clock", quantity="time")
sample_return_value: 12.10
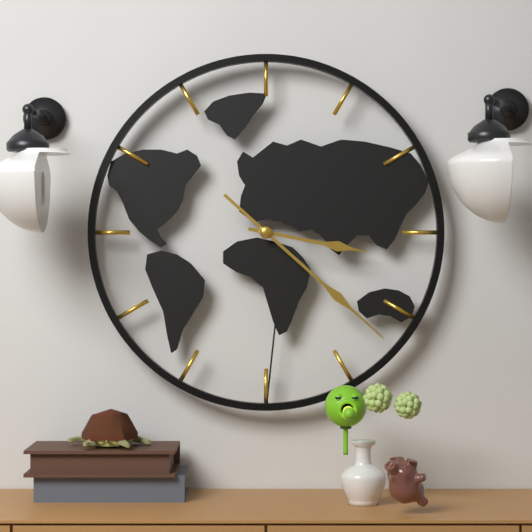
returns 3.22
